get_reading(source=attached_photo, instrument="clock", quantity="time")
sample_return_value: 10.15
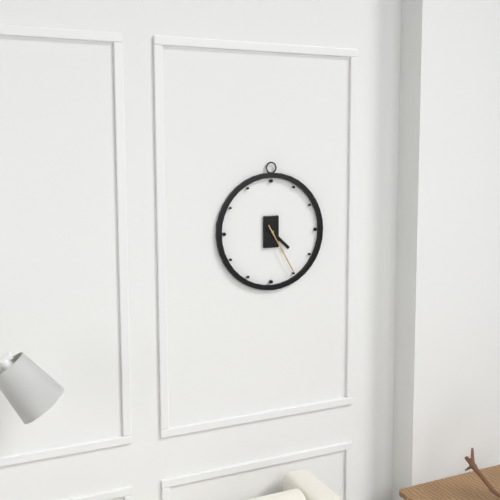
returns 4.25
